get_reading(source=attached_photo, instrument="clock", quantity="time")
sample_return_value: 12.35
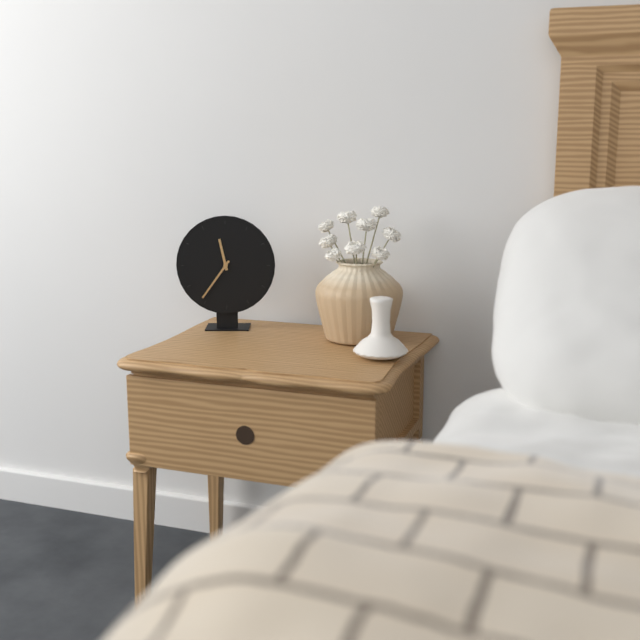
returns 11.36
